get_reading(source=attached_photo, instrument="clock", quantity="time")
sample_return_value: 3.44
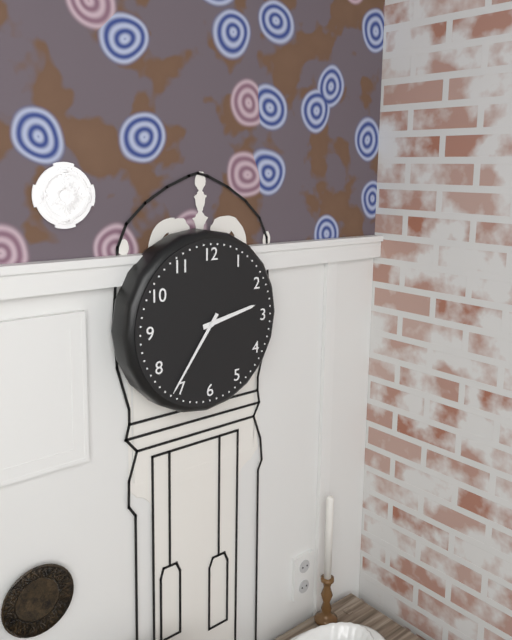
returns 2.36
